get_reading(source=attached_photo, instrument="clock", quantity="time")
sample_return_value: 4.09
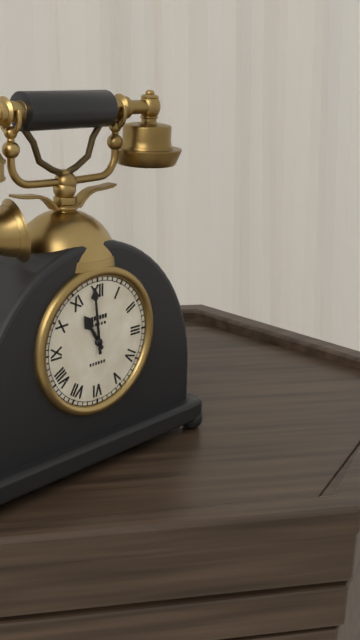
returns 10.59
